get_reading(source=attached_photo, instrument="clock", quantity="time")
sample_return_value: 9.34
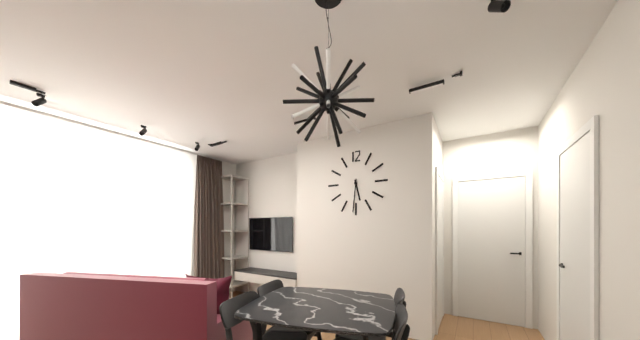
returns 5.31
